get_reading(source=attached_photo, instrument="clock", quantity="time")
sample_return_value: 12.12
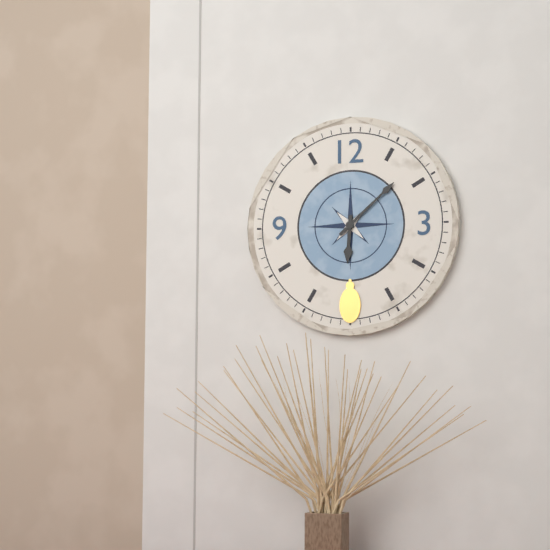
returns 6.08
